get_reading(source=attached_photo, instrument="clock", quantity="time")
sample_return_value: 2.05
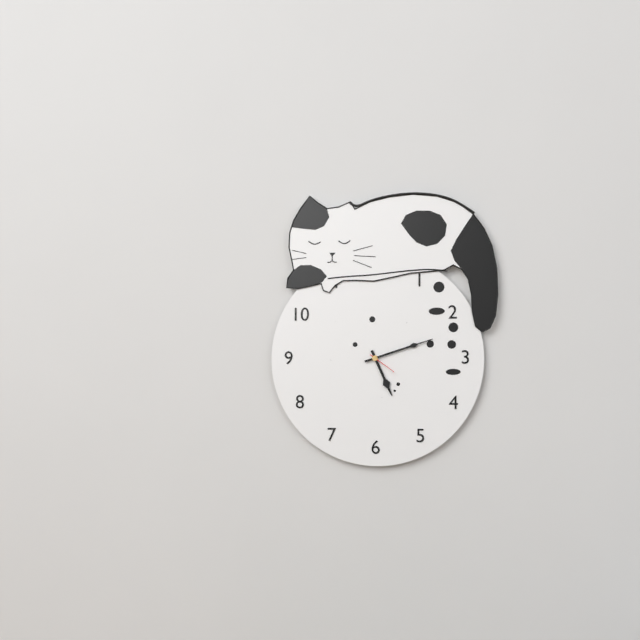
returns 5.12
